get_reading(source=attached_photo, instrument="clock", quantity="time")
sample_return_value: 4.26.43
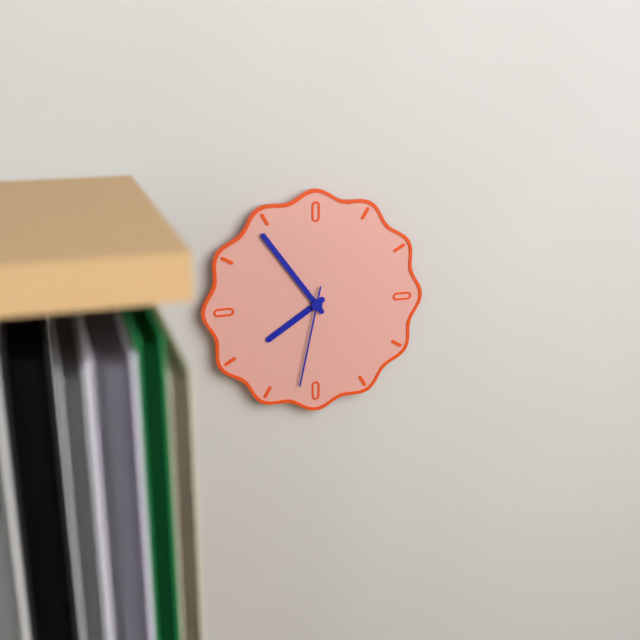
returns 7.54.32
